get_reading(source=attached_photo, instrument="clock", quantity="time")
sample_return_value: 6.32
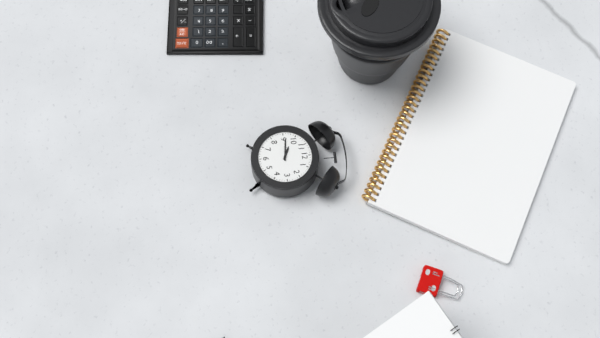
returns 9.46
